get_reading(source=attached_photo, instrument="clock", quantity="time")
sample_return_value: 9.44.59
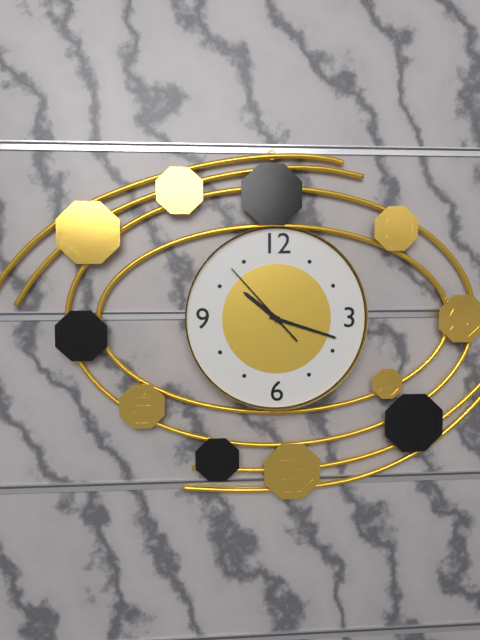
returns 10.18.53
